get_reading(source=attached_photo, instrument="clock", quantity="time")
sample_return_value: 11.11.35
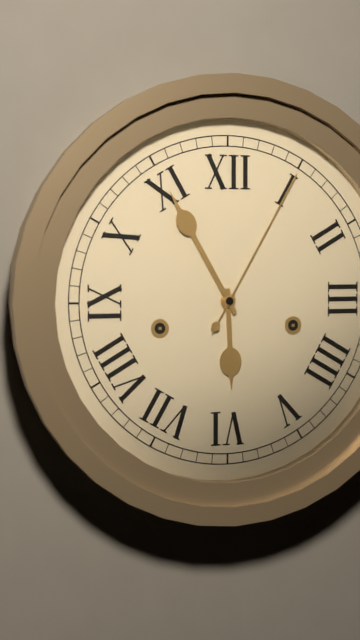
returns 5.55.05
